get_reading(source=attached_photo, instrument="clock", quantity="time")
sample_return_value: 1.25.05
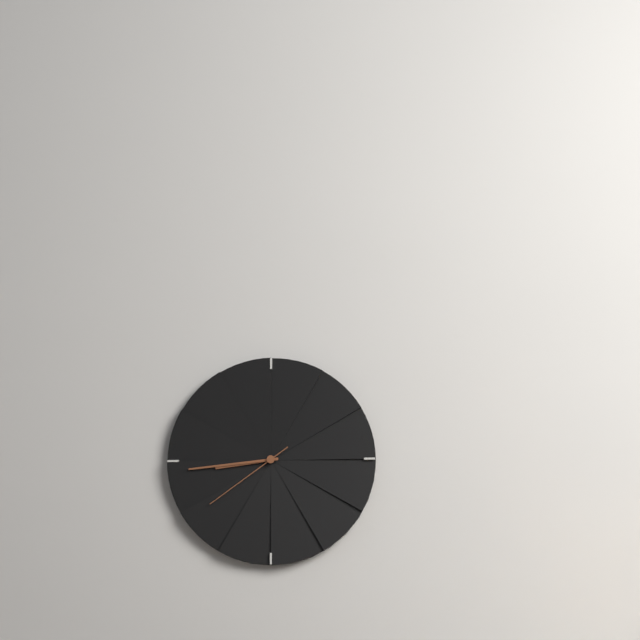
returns 8.44.39
